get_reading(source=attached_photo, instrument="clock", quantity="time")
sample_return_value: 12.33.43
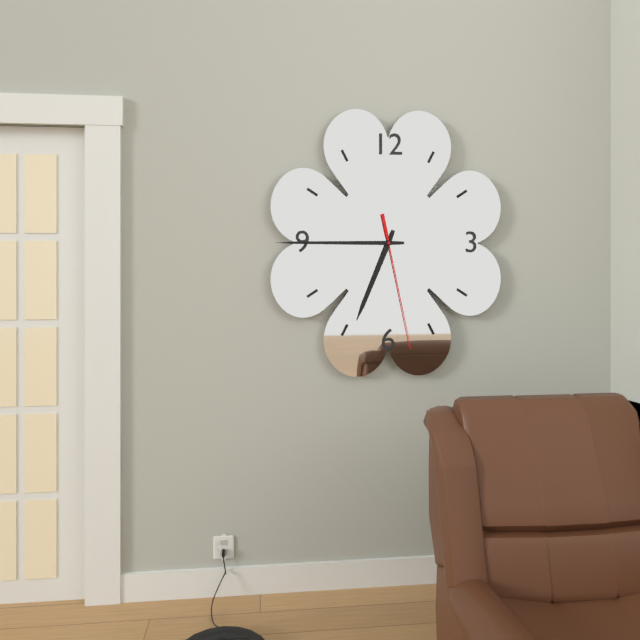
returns 6.45.28
